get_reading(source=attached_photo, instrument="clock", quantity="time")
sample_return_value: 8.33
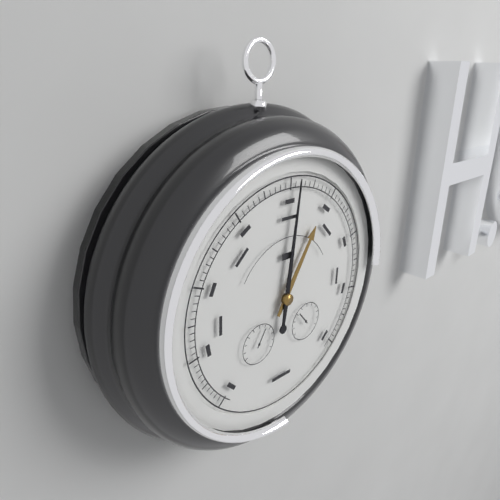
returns 1.01
